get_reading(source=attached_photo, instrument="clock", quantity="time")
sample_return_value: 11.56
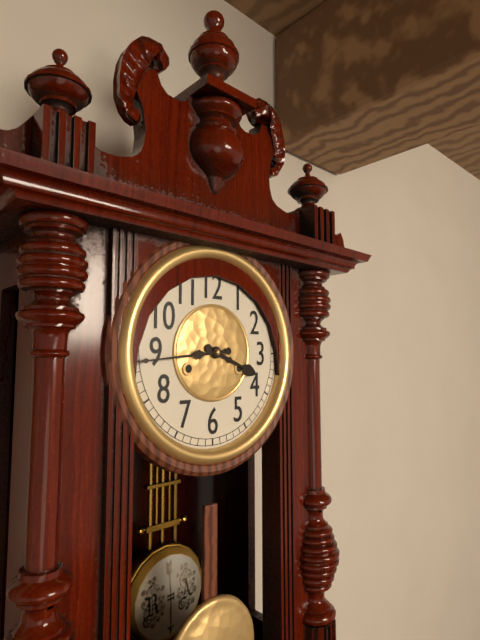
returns 3.44
